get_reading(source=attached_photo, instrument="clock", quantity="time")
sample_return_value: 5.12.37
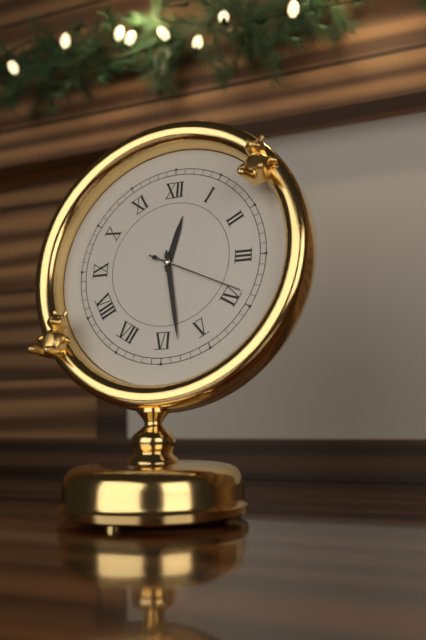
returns 12.28.19
